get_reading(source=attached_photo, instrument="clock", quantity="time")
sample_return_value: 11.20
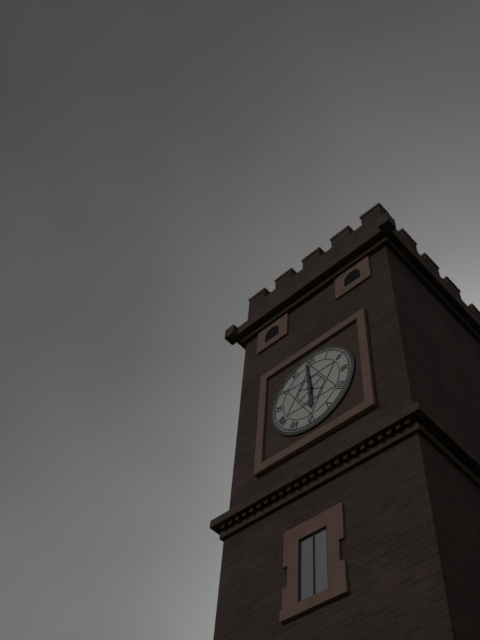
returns 5.59
